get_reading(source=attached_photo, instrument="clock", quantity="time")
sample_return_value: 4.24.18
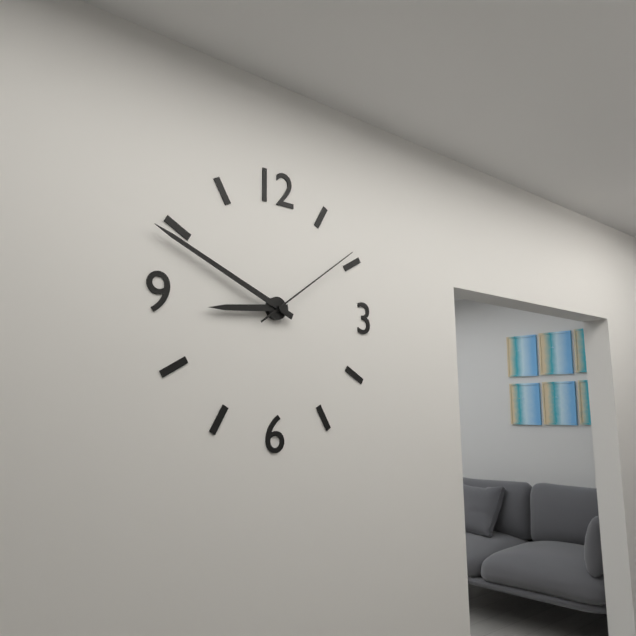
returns 8.49.09
